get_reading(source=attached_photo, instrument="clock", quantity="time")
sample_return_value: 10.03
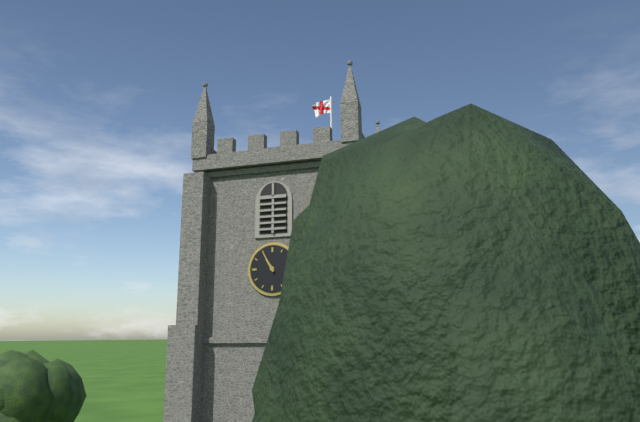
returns 10.55
